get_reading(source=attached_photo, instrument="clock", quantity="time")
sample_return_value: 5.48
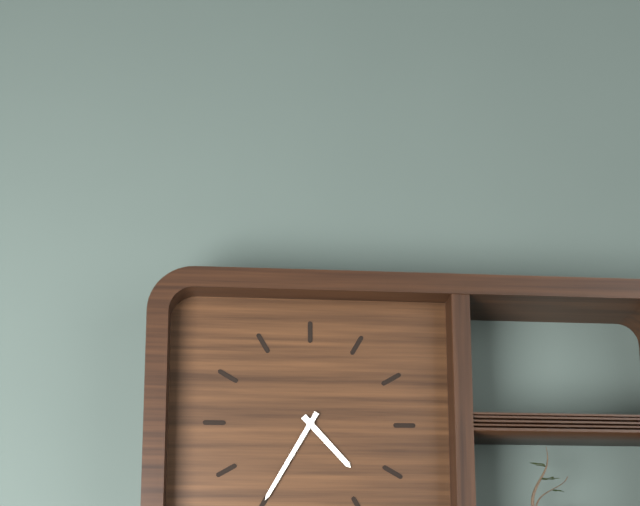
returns 4.35
